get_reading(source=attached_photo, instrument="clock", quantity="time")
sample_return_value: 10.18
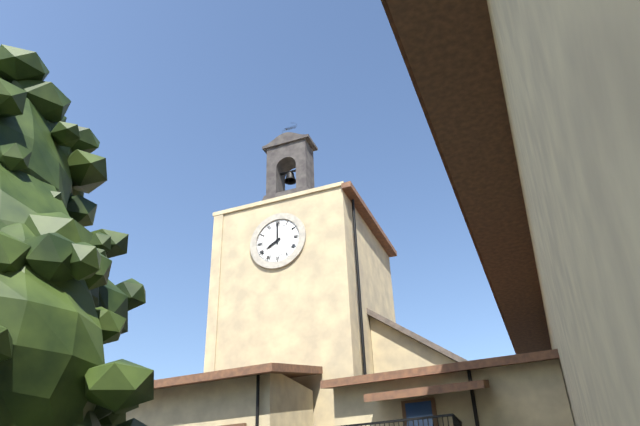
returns 8.00
